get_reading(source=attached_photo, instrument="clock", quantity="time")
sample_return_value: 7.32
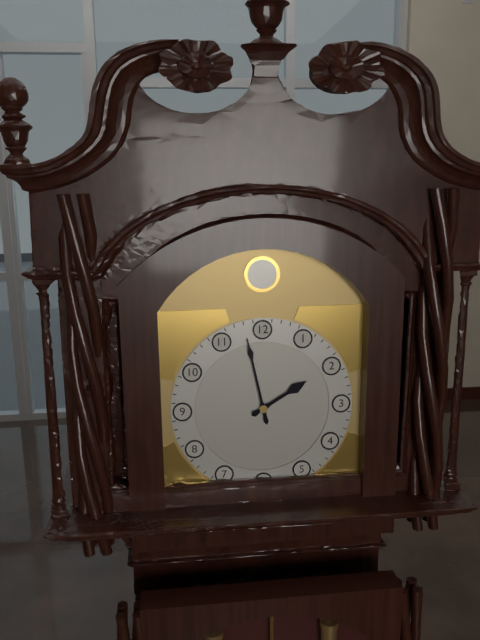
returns 1.58
